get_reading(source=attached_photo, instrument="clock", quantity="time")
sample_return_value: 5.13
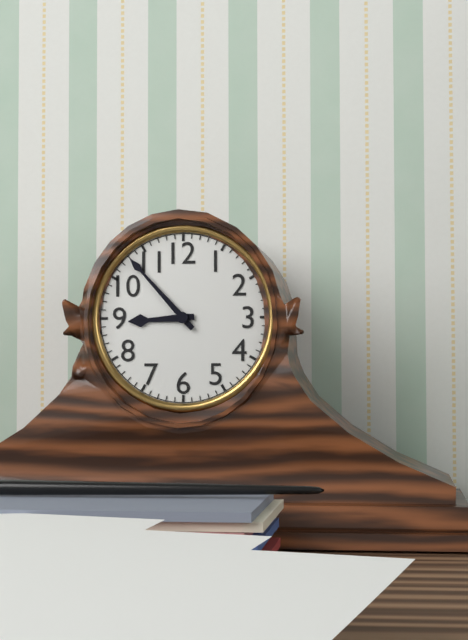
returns 8.53
